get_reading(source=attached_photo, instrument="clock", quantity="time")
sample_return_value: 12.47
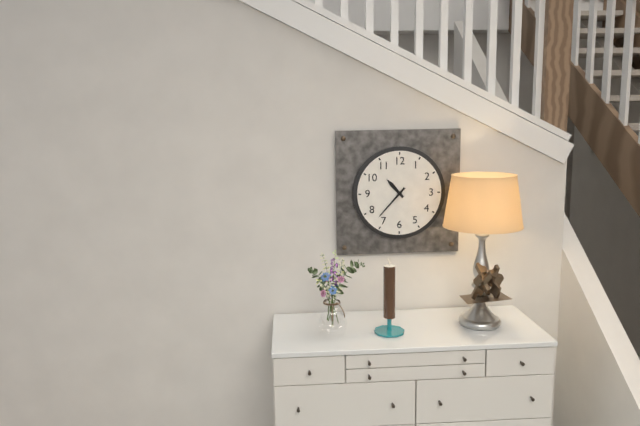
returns 10.37
